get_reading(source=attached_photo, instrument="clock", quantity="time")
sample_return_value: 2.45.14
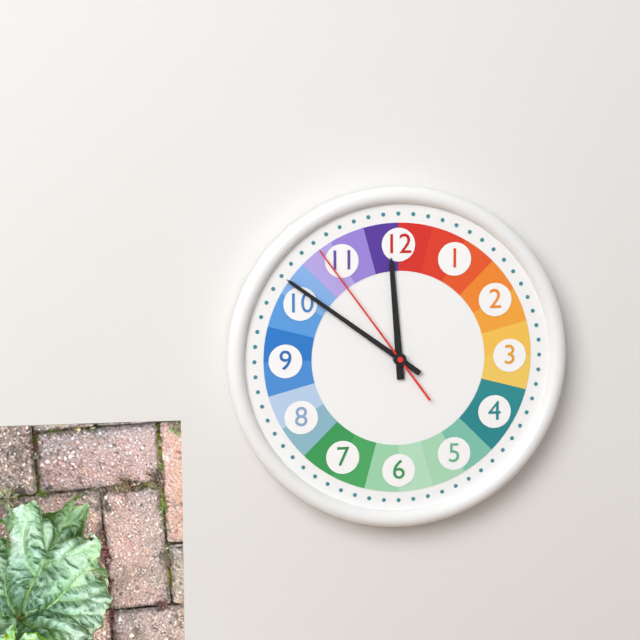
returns 11.51.54
